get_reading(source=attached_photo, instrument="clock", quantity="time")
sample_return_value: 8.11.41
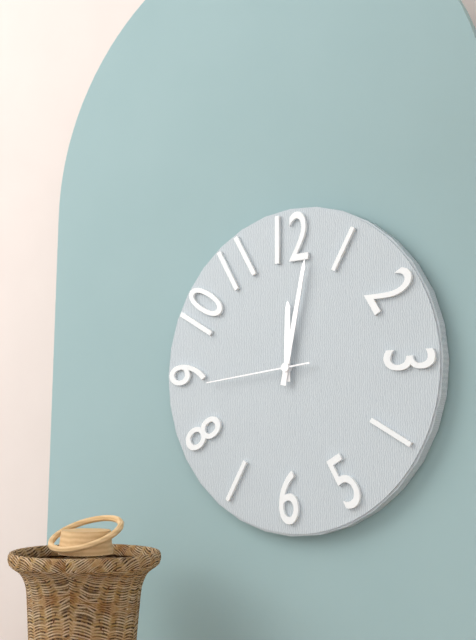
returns 12.02.44
